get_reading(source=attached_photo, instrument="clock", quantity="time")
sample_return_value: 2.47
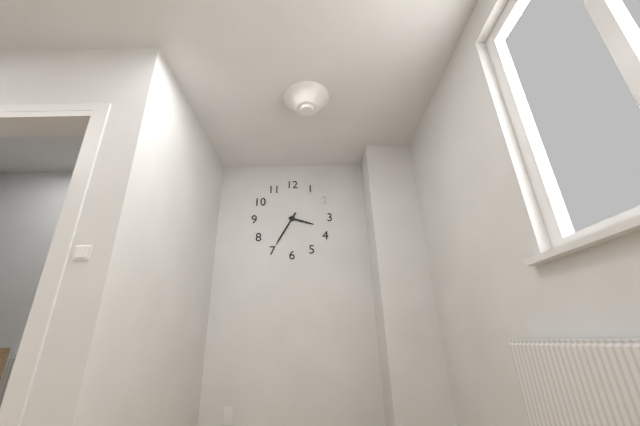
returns 3.35
